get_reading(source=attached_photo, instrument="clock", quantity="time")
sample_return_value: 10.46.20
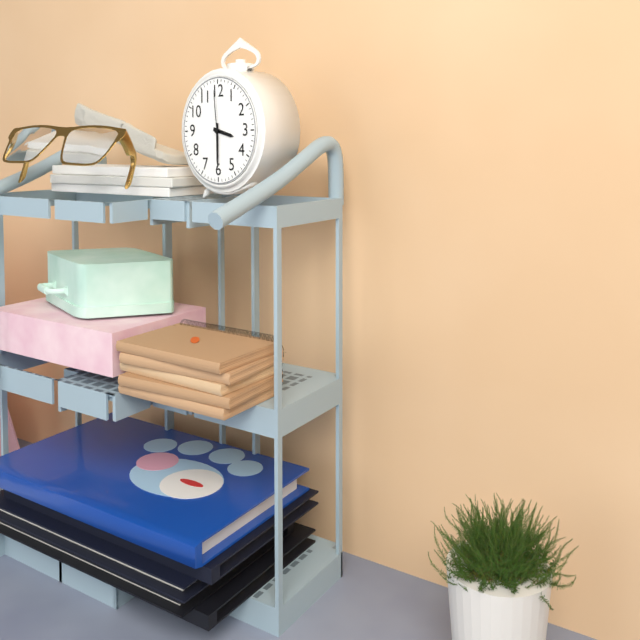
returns 3.30.59
